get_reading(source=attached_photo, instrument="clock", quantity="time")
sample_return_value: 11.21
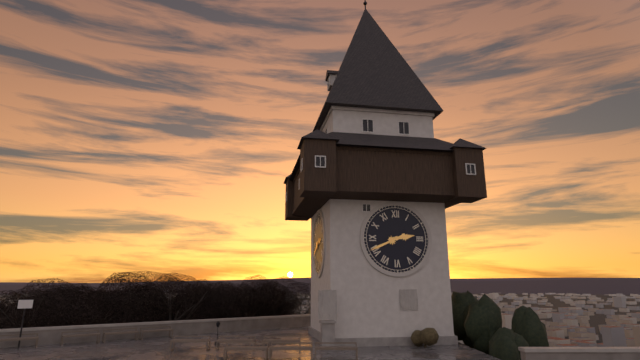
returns 2.41
